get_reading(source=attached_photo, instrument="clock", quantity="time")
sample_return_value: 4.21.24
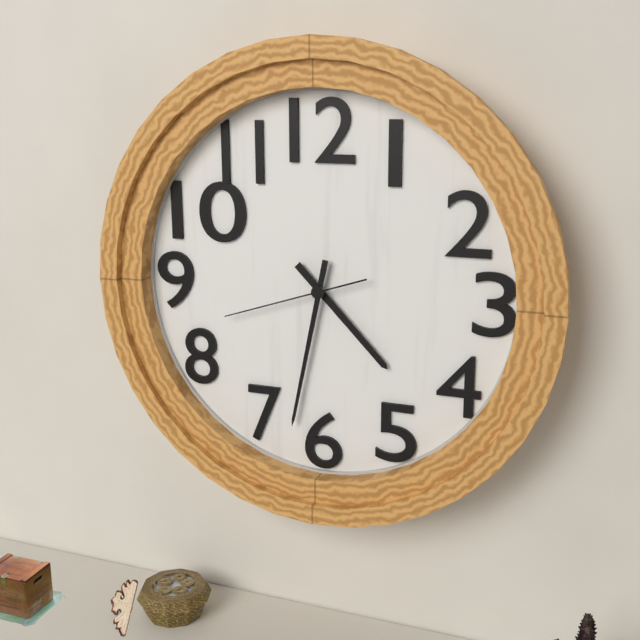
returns 4.32.42
